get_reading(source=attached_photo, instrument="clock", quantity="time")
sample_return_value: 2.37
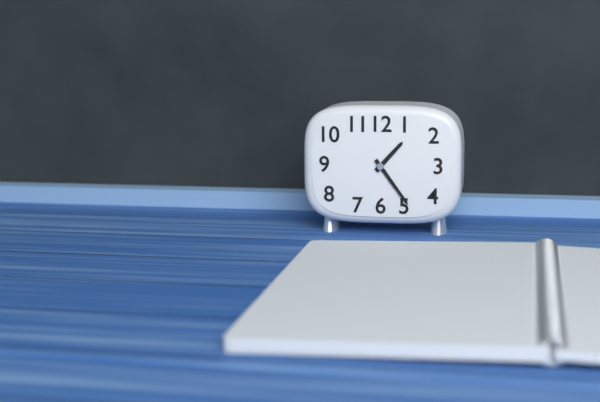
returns 1.24
